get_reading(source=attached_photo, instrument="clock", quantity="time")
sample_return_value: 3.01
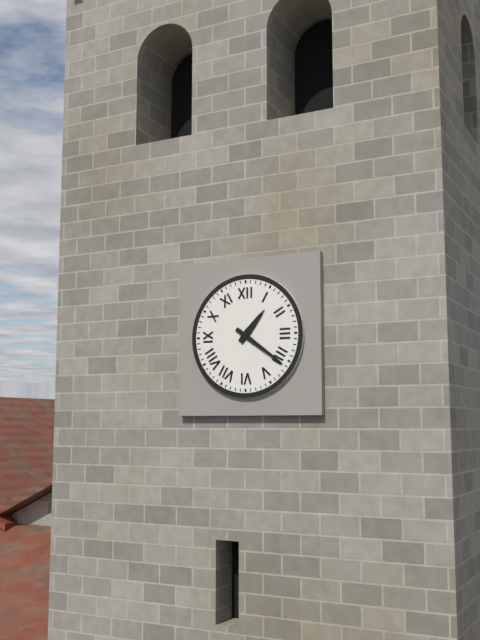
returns 1.21
